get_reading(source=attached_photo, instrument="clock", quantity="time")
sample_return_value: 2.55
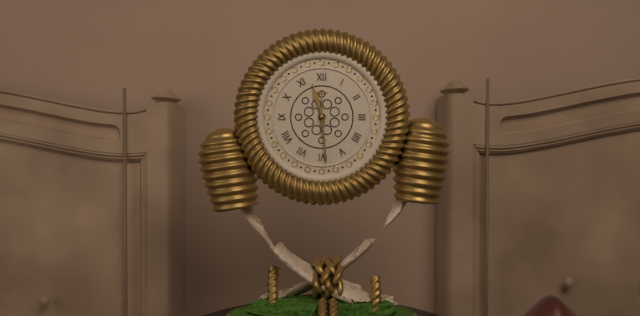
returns 11.29
